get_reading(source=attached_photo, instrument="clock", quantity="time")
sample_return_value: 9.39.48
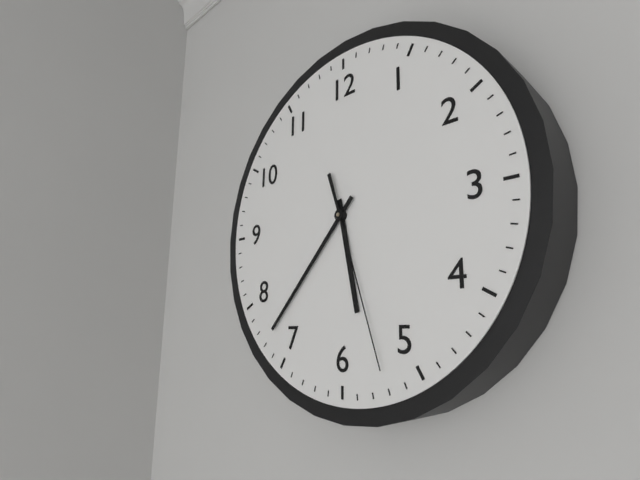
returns 5.37.27
